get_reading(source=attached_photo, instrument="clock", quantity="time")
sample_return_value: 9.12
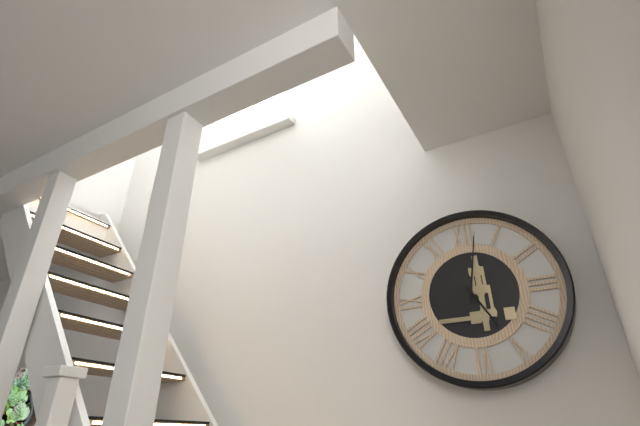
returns 5.02
